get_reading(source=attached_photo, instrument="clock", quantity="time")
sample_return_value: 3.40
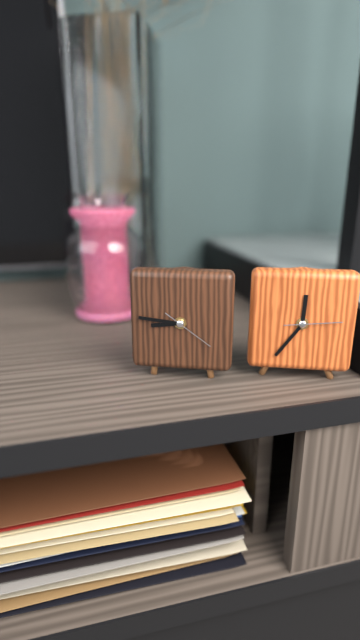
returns 8.46
